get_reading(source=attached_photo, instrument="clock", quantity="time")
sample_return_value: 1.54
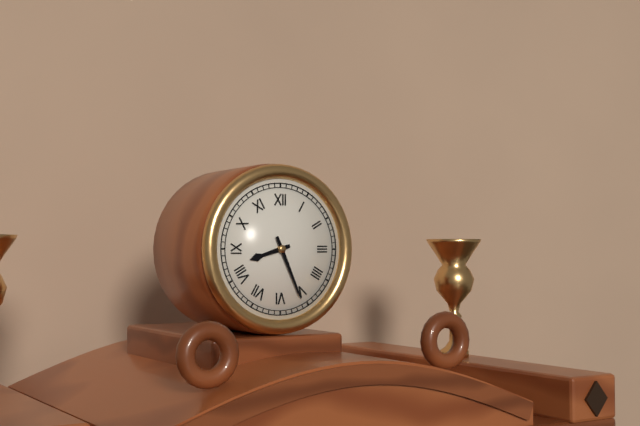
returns 8.26
